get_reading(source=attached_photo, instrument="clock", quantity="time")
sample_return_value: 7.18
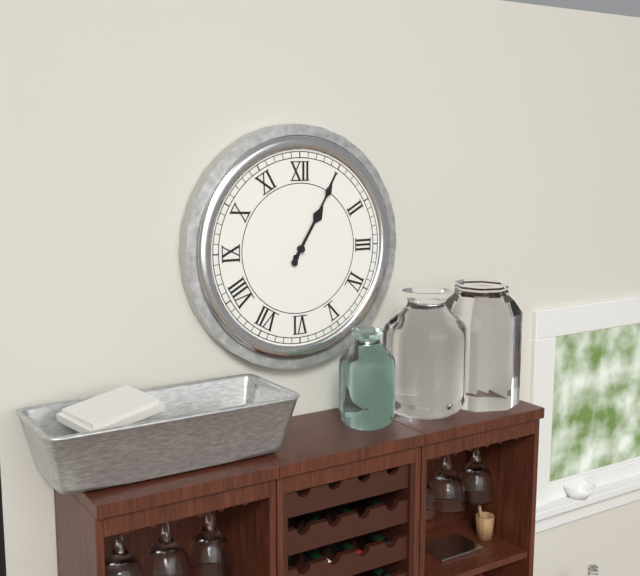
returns 1.05
